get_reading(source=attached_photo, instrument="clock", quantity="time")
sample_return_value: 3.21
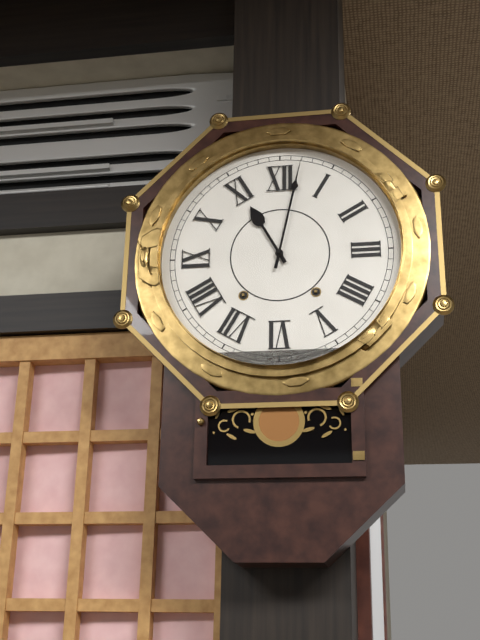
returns 11.02
